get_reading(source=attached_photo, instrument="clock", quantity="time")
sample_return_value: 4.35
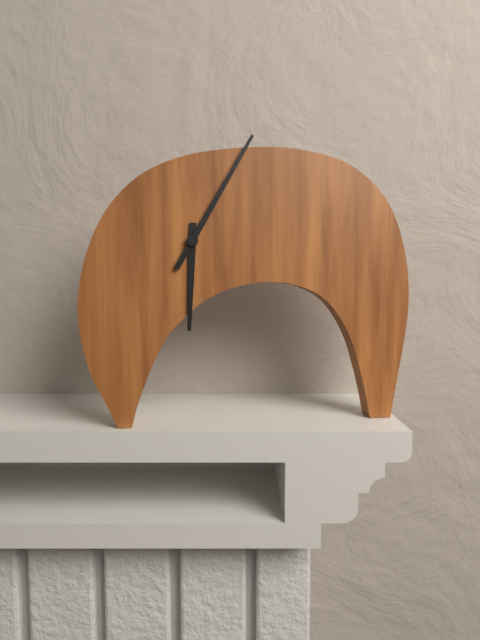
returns 6.05
